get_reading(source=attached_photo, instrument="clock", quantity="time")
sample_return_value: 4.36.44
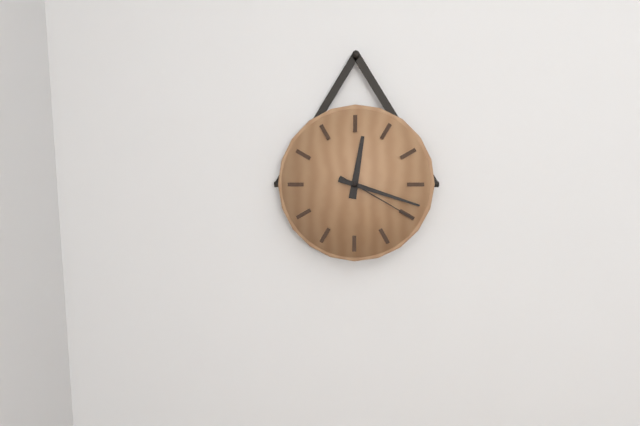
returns 12.18.20
